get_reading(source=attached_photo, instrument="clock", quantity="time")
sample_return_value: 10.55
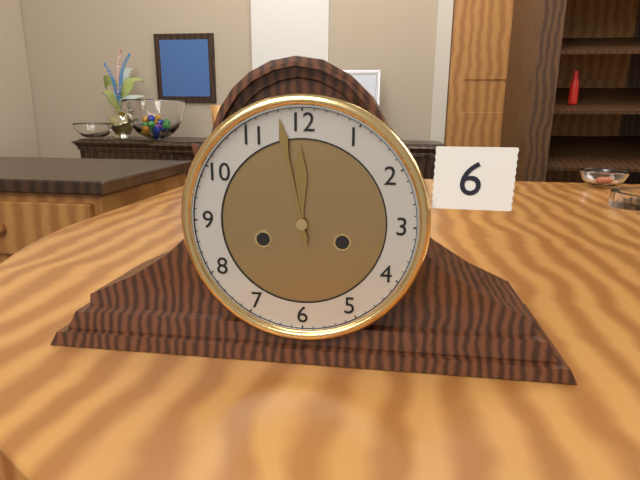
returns 11.58
